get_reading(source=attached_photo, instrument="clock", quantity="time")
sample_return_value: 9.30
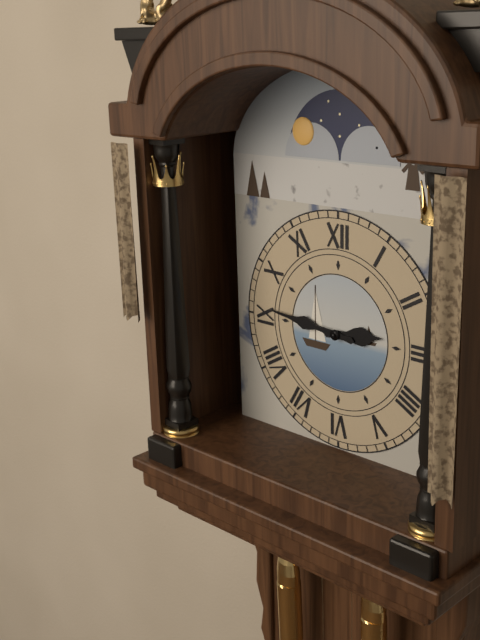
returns 2.46
